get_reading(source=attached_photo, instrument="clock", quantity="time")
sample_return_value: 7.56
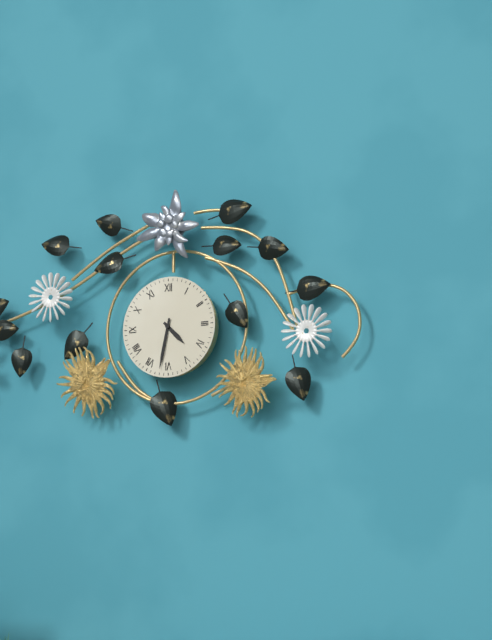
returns 4.32
